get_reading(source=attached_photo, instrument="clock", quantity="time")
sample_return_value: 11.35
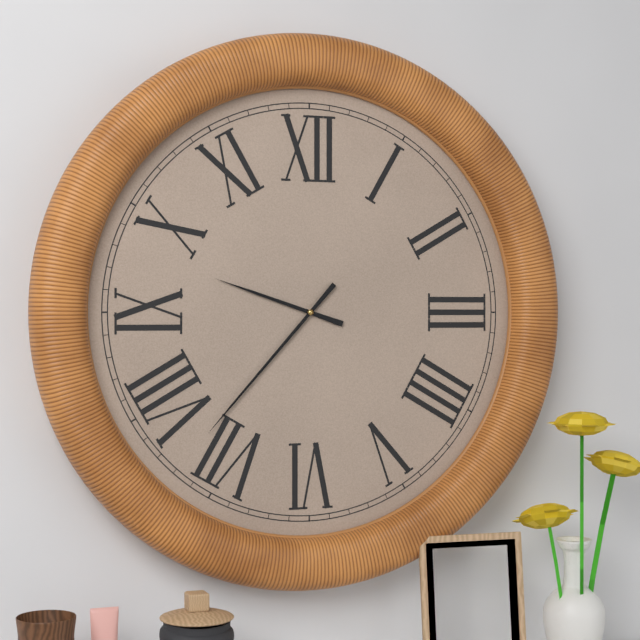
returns 9.37
